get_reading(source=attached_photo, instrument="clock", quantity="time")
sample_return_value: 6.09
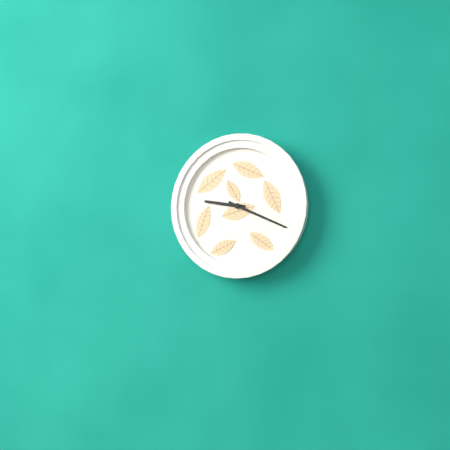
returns 9.19
